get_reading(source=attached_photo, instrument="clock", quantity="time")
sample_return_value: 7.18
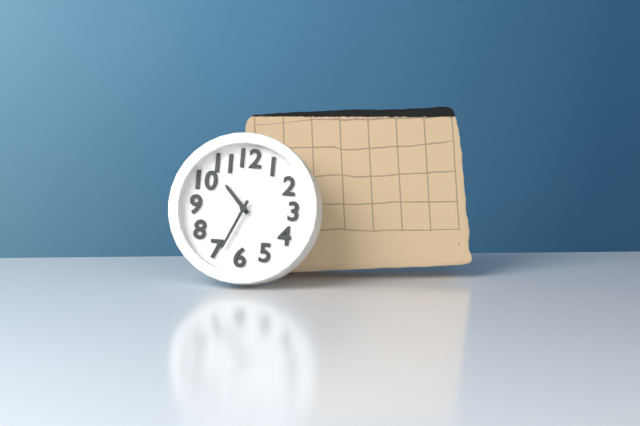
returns 10.34
